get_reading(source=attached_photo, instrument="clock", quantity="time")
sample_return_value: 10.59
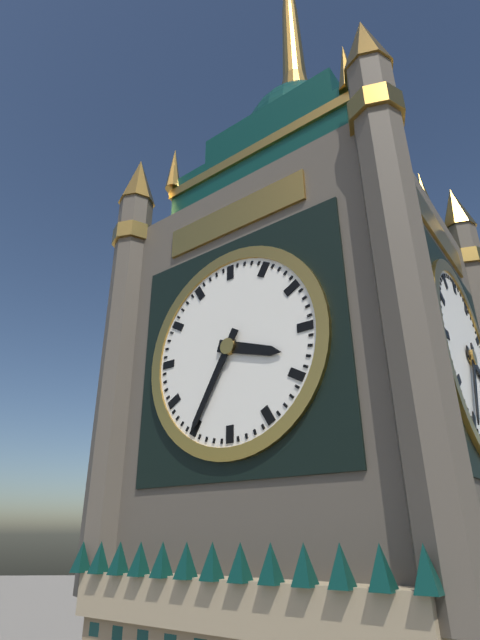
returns 3.35
